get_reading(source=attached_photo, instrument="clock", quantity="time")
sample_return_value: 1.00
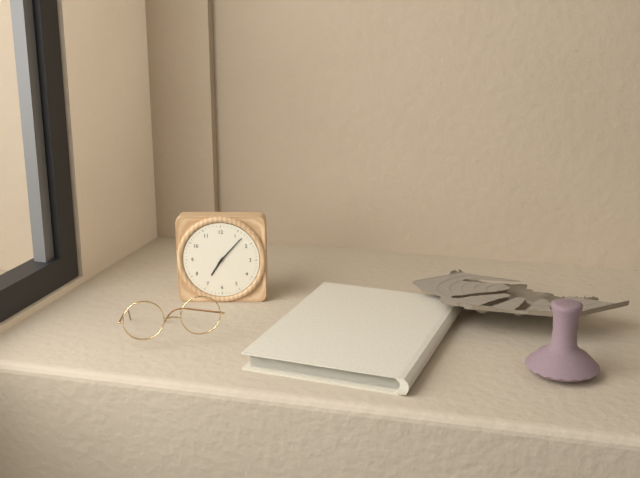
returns 7.07
